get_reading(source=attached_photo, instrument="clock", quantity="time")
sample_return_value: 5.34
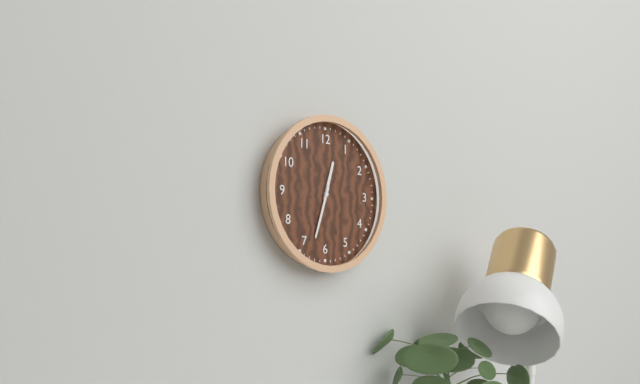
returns 12.33
